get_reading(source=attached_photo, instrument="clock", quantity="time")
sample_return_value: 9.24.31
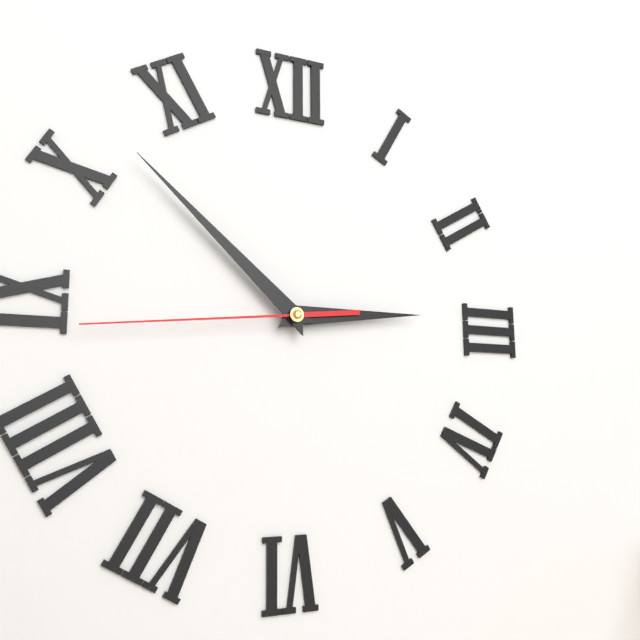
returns 2.52.44
